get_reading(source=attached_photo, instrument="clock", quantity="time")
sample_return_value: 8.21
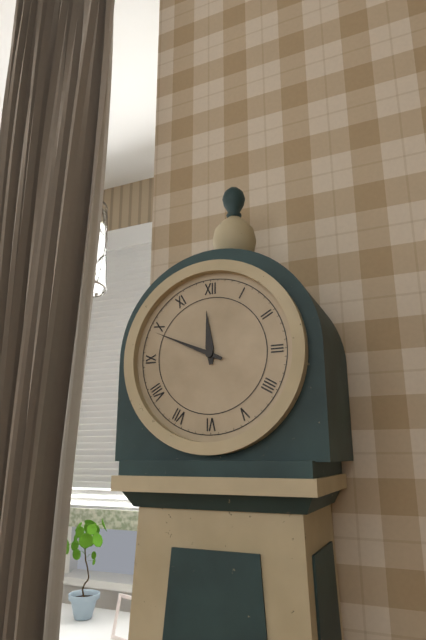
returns 11.49
